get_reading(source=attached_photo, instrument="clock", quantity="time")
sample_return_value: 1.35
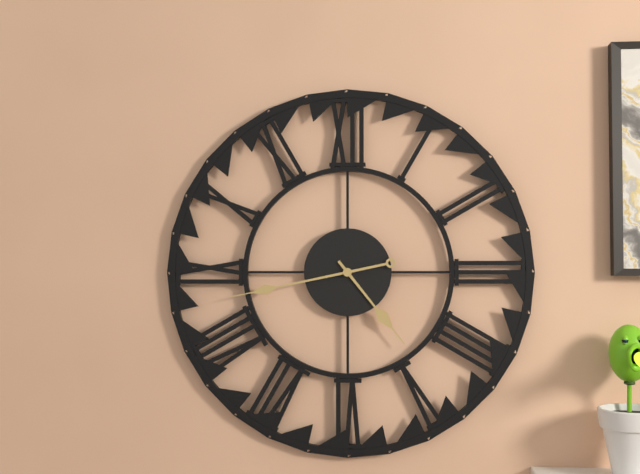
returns 4.43
